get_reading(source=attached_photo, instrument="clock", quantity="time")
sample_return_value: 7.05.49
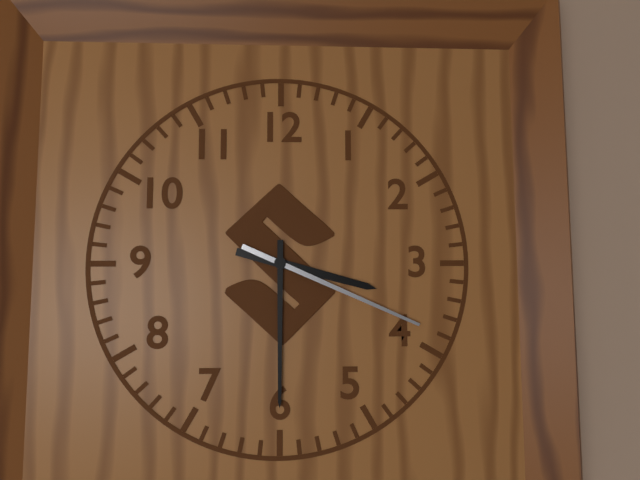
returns 3.30.19
